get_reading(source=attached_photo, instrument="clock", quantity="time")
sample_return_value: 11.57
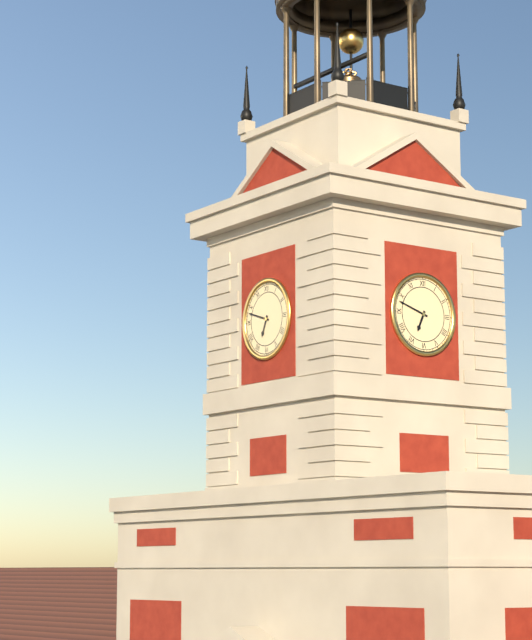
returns 6.48
